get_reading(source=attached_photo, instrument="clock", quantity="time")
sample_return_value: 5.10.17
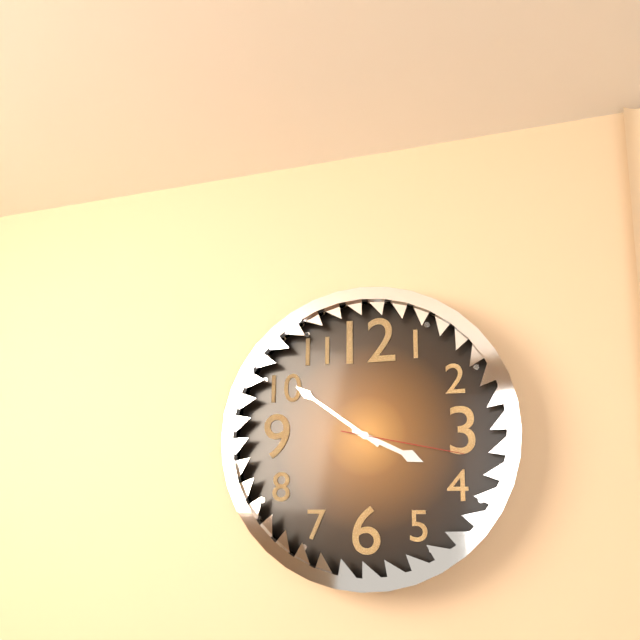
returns 3.51.17
